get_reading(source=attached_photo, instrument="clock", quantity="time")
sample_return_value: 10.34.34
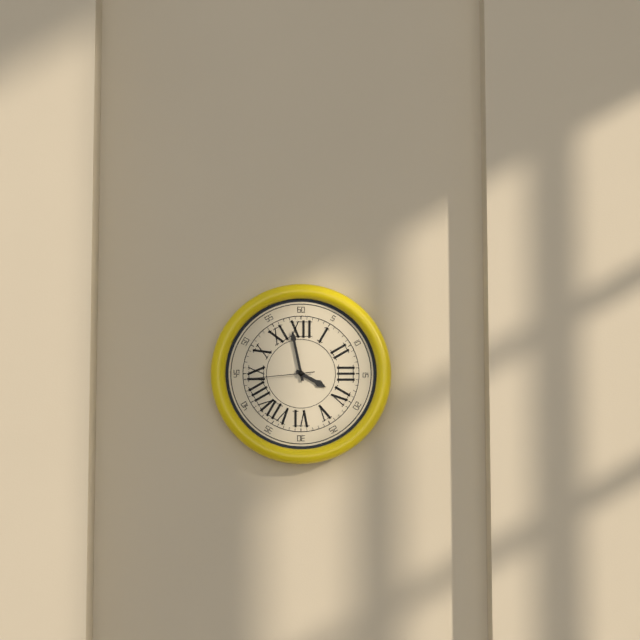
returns 3.58.44
